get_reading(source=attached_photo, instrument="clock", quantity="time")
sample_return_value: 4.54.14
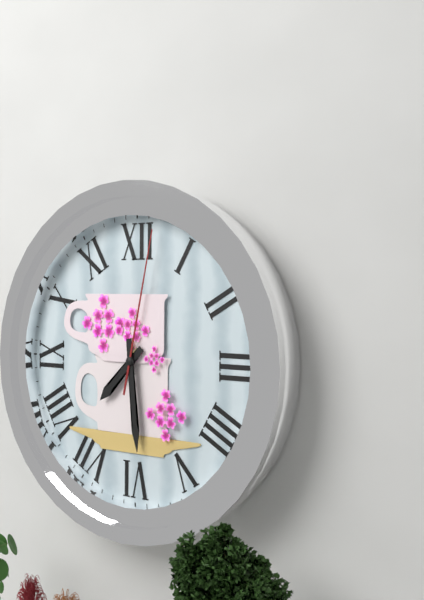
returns 7.29.02
